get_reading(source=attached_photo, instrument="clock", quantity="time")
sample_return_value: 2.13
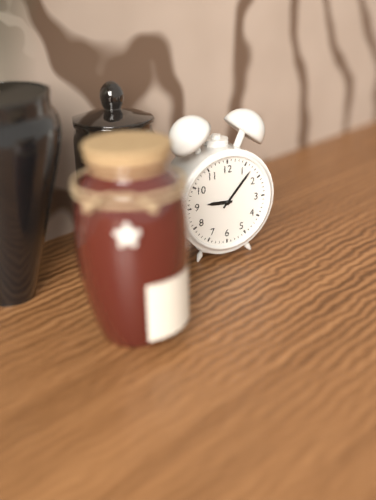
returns 9.07
